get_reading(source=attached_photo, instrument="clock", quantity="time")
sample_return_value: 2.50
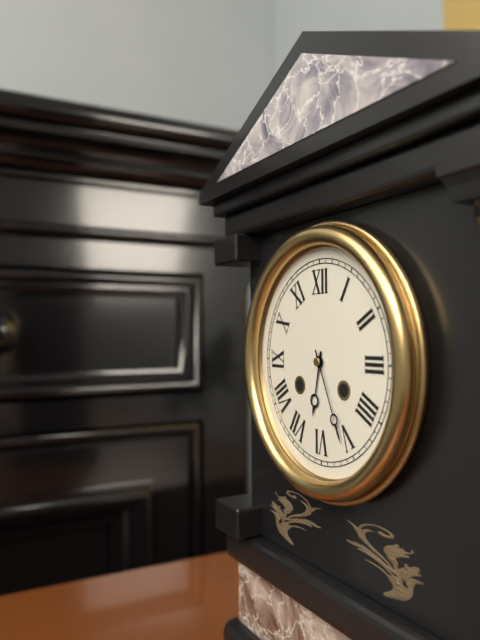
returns 6.26
